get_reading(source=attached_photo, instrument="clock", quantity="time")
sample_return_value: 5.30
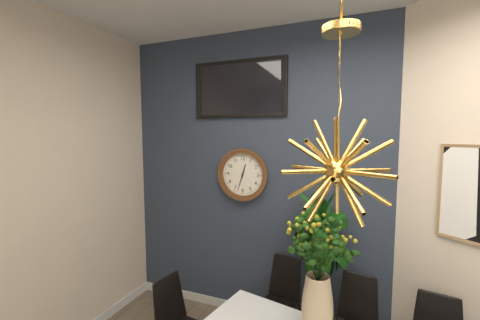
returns 12.33
